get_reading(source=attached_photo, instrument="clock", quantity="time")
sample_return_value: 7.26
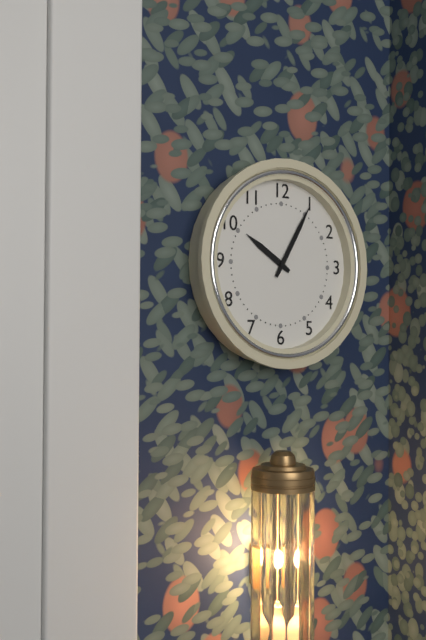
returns 10.05
